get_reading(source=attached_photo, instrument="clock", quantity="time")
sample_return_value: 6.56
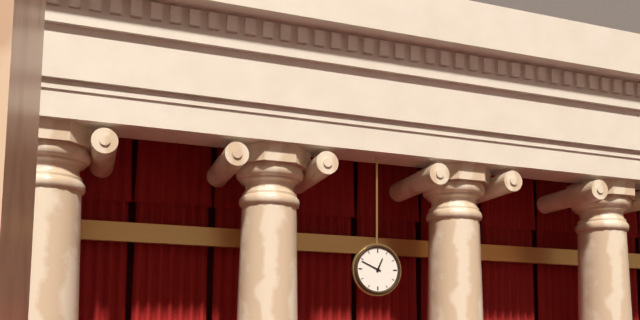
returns 12.49
